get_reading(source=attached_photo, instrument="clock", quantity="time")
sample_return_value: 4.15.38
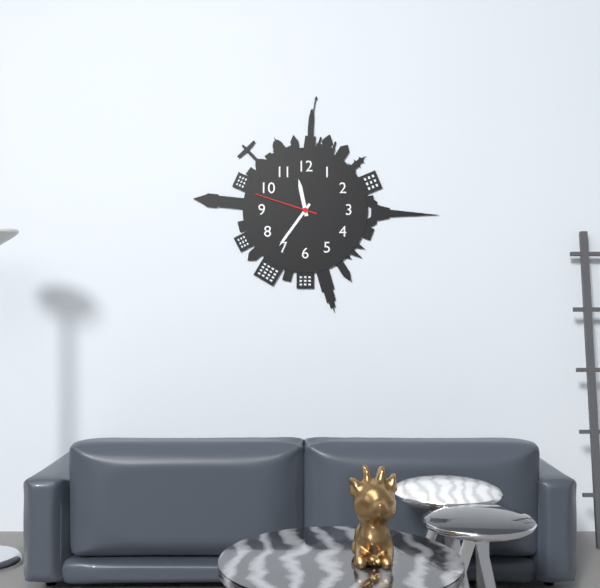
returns 11.36.48
